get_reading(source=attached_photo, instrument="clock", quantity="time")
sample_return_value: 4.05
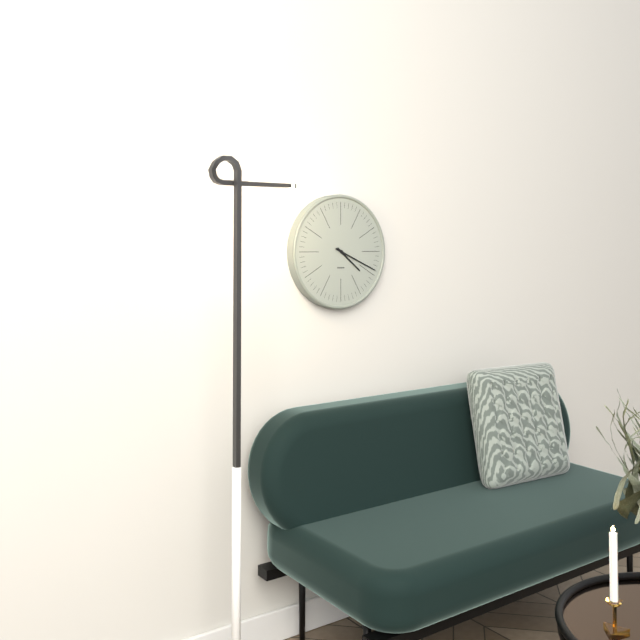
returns 4.19
